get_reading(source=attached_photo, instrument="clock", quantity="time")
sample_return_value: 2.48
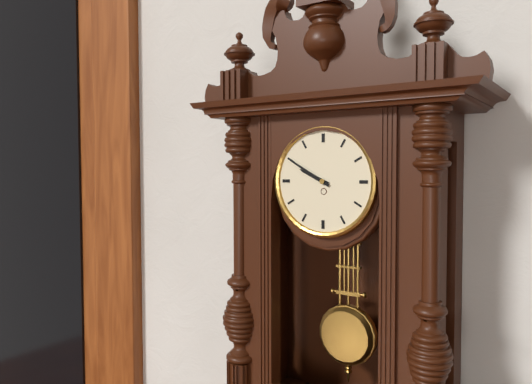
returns 9.50
